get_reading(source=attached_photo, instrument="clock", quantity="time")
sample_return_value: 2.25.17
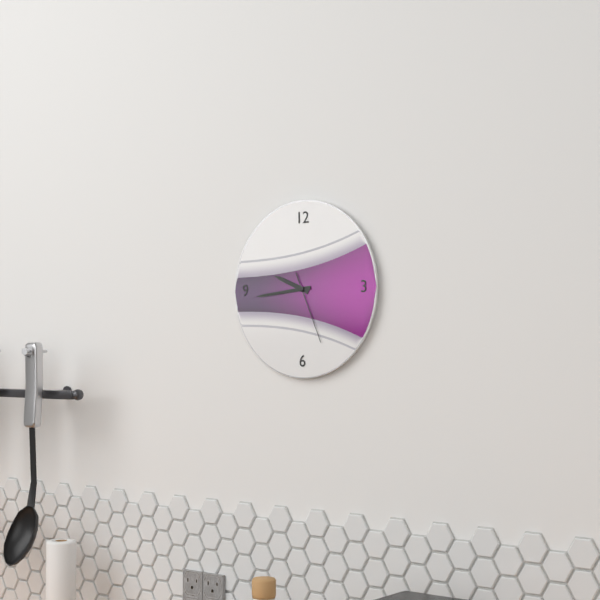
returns 9.44.26
